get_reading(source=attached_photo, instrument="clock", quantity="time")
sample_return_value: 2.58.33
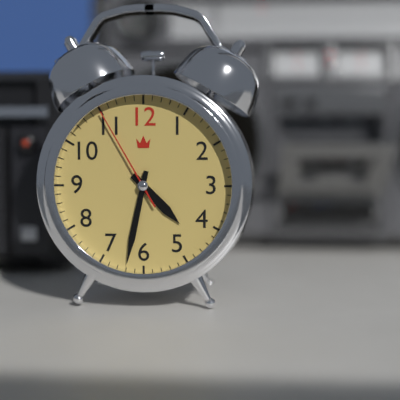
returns 4.32.55
